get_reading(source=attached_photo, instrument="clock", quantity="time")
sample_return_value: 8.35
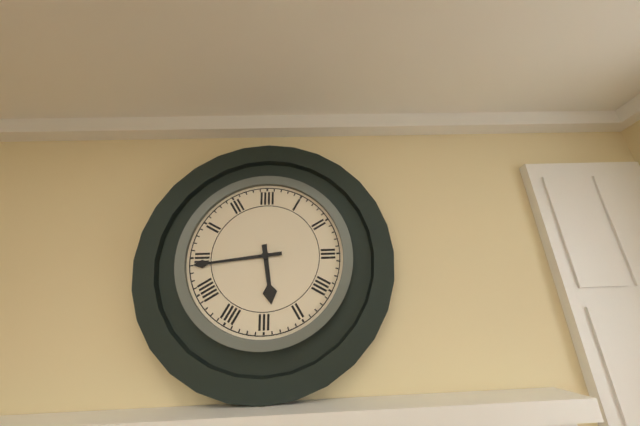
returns 5.44
